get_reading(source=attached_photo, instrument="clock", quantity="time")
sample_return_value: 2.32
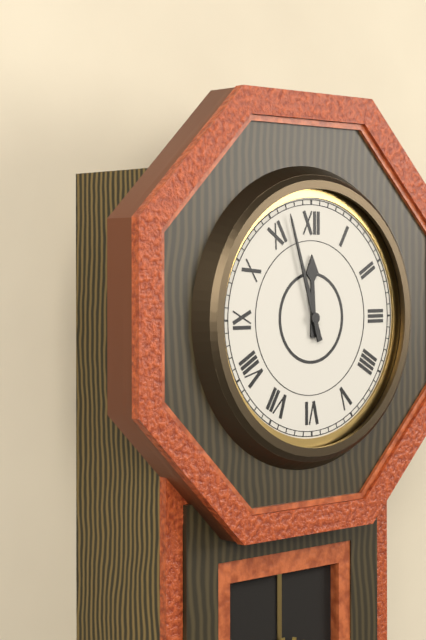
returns 11.57
